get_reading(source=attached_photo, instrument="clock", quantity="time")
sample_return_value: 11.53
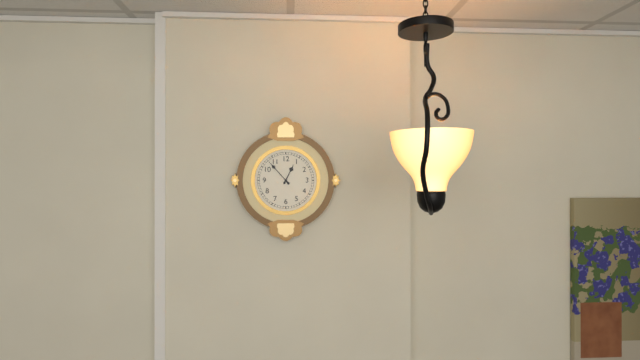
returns 12.53
